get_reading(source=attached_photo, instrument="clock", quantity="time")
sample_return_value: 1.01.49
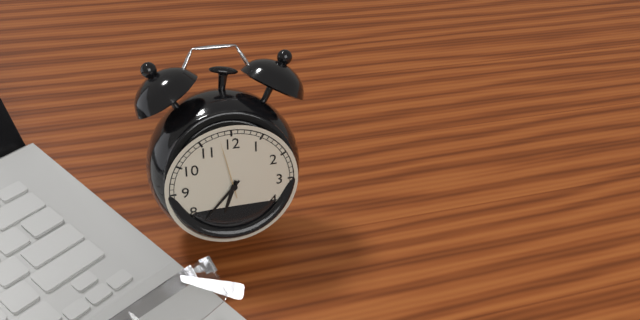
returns 6.37.58
